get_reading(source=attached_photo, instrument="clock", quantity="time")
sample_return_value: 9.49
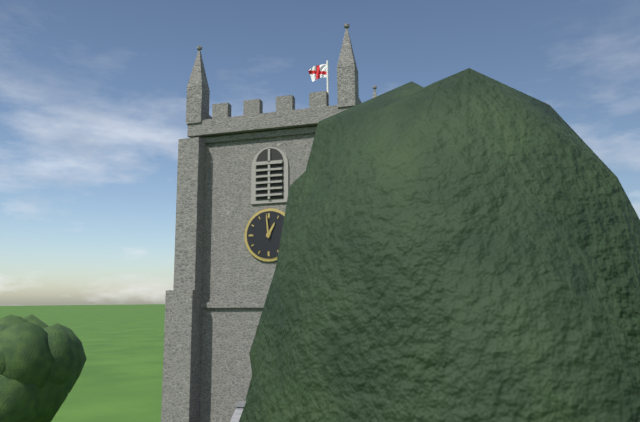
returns 12.59
